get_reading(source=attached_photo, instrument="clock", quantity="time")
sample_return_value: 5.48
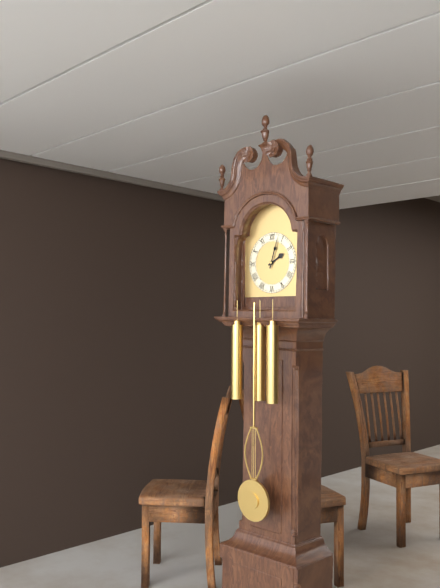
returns 2.03
